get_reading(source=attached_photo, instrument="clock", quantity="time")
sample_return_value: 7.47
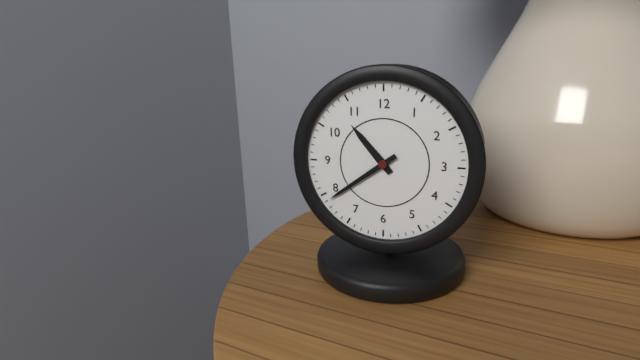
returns 10.39
